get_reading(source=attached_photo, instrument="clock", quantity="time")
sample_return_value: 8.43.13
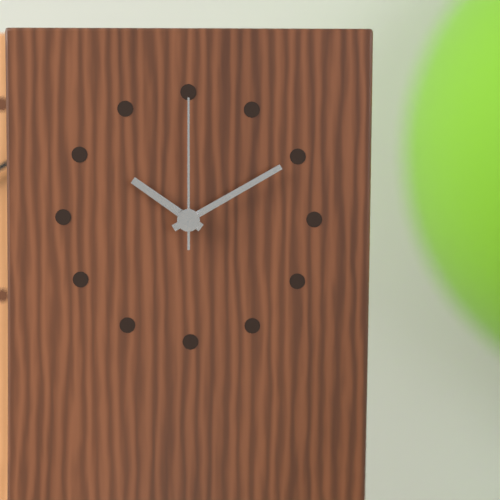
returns 10.10.00
